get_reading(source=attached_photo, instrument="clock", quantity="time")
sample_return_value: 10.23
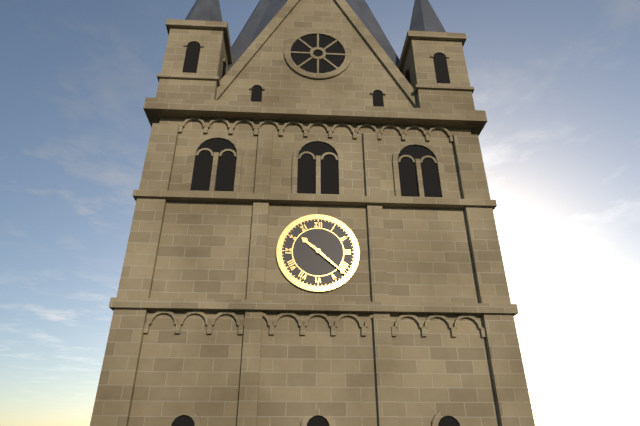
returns 10.22
